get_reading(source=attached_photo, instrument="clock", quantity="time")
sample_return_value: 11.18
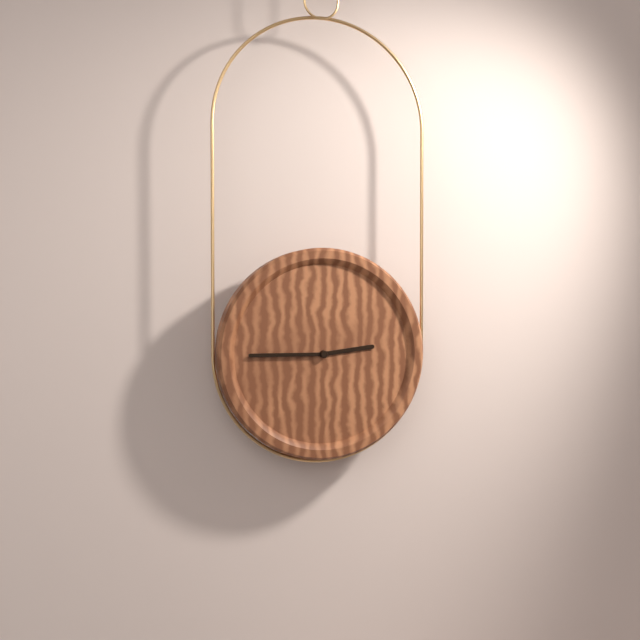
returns 2.45
